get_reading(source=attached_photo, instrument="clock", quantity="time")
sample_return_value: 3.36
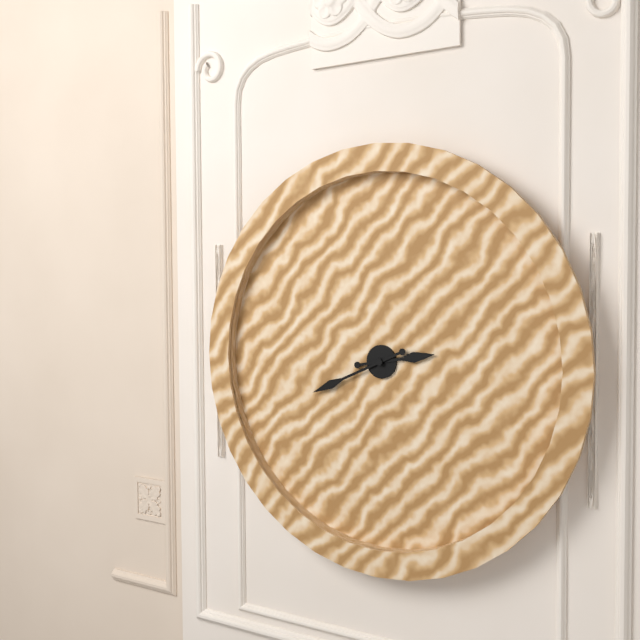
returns 2.41
